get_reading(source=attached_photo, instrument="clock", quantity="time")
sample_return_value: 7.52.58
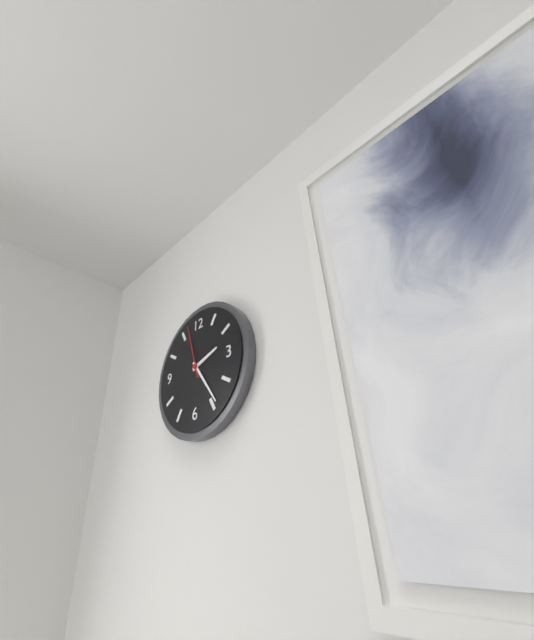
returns 2.24.57
